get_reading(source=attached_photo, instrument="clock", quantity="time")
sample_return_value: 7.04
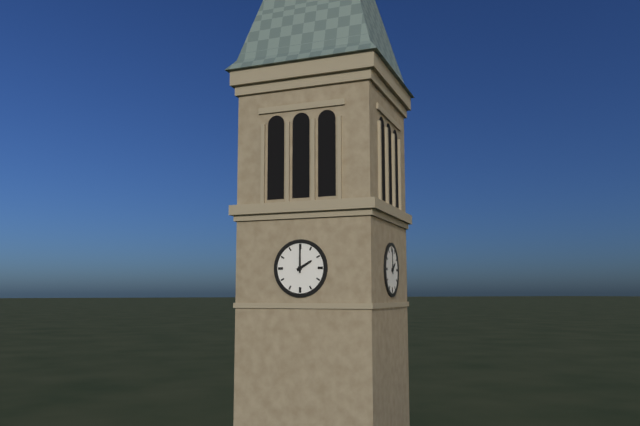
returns 2.00
